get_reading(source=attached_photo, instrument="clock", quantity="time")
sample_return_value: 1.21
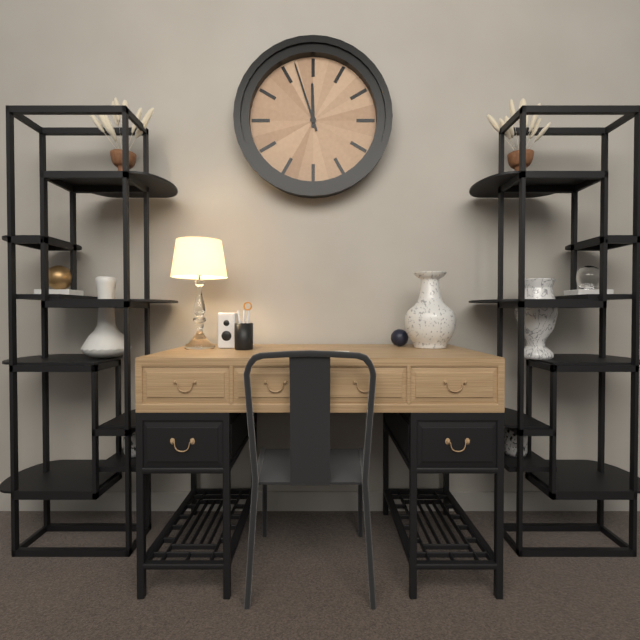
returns 11.57
